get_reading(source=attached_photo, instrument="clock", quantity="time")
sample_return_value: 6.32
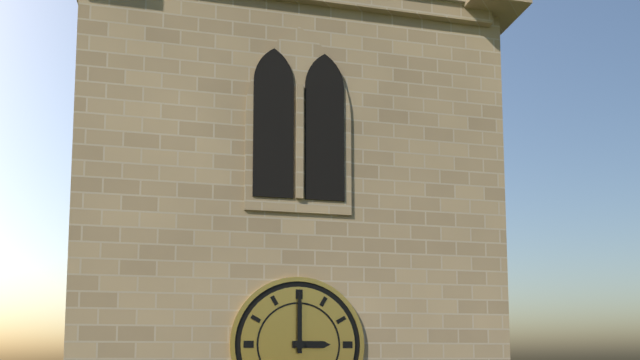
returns 3.00
